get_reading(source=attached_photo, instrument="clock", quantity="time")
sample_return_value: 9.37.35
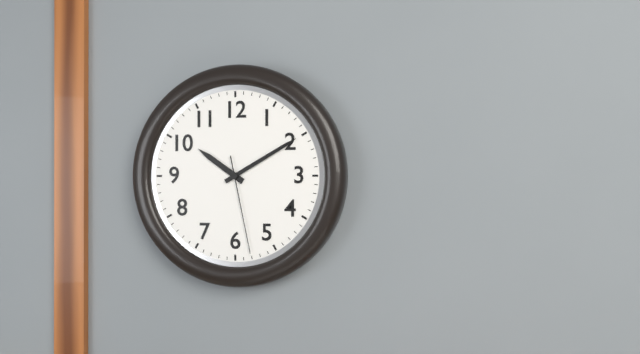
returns 10.10.28
